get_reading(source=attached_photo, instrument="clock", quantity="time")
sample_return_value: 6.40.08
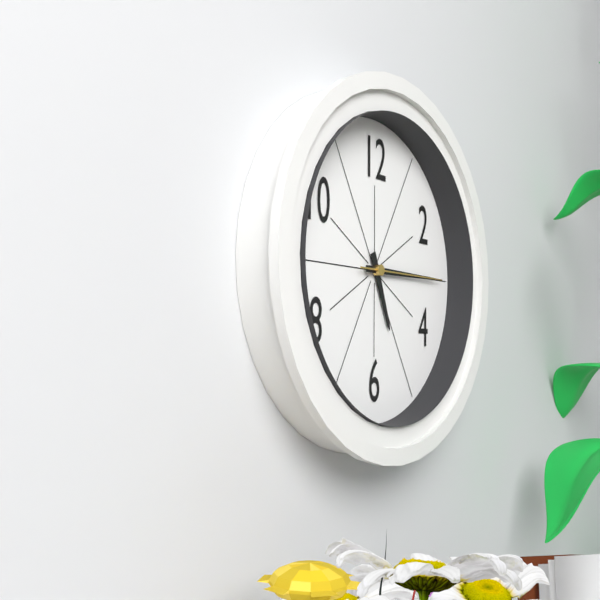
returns 5.15.15
